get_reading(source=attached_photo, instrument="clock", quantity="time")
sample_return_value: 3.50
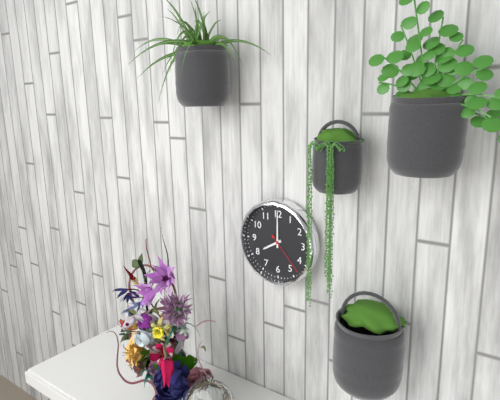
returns 8.00
